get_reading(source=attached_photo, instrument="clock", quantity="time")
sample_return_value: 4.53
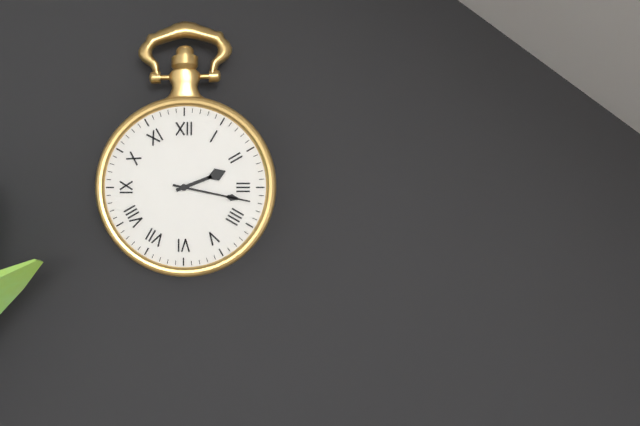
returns 2.17
